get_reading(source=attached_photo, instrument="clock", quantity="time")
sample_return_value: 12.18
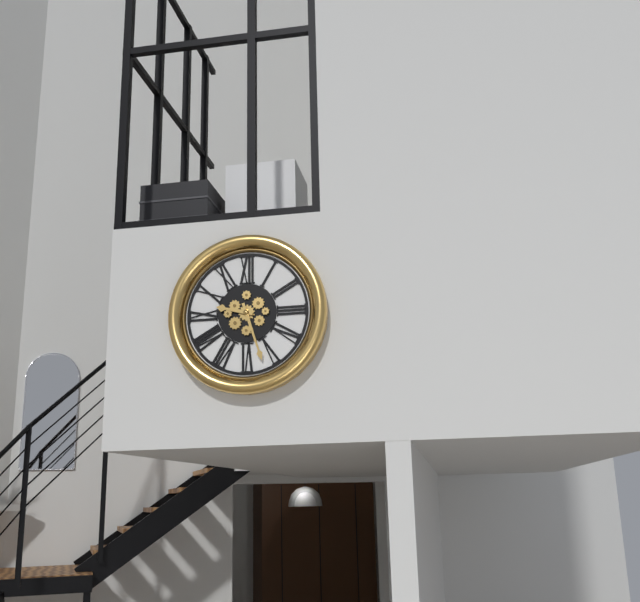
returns 9.27
